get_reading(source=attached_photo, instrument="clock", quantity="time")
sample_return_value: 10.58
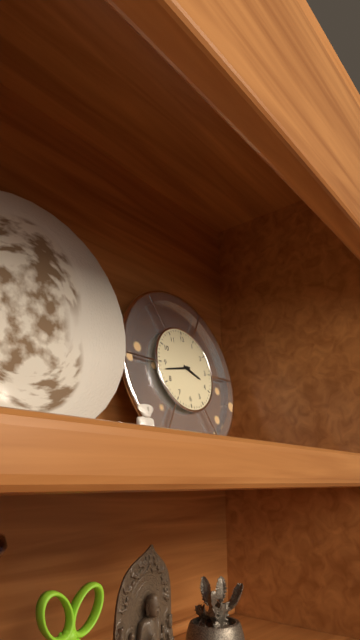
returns 3.43
